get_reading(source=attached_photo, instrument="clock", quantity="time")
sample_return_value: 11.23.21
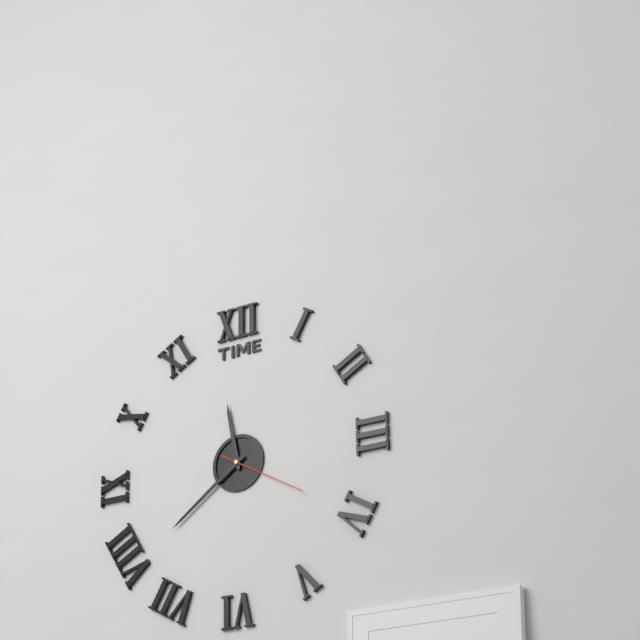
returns 11.39.20
